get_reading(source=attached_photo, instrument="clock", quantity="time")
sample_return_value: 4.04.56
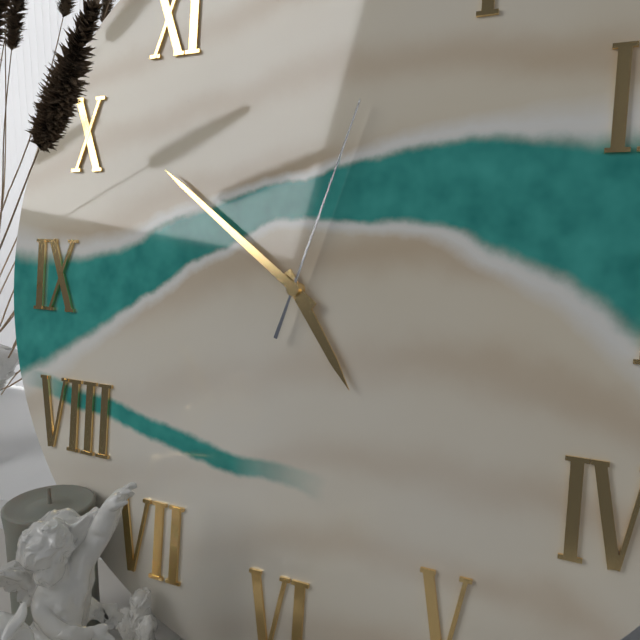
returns 4.51.03
